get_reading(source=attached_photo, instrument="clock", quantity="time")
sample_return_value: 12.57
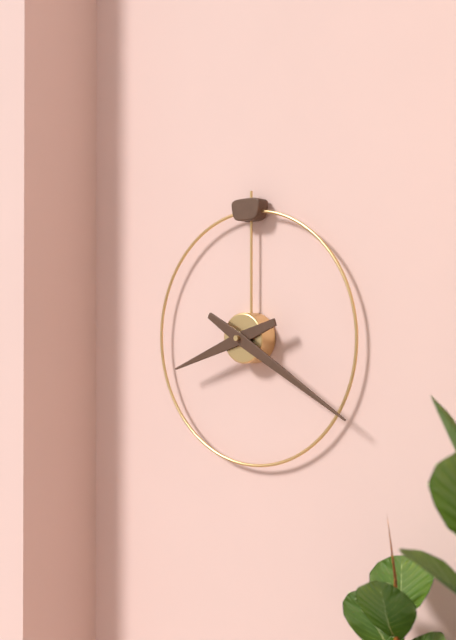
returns 8.20
